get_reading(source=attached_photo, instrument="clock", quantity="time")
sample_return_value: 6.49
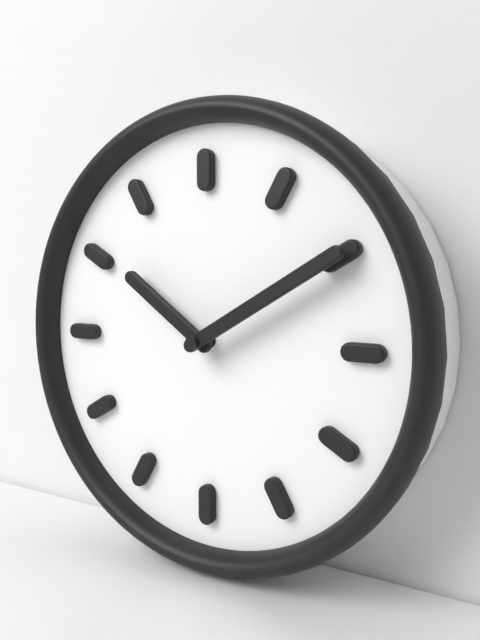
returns 10.10
